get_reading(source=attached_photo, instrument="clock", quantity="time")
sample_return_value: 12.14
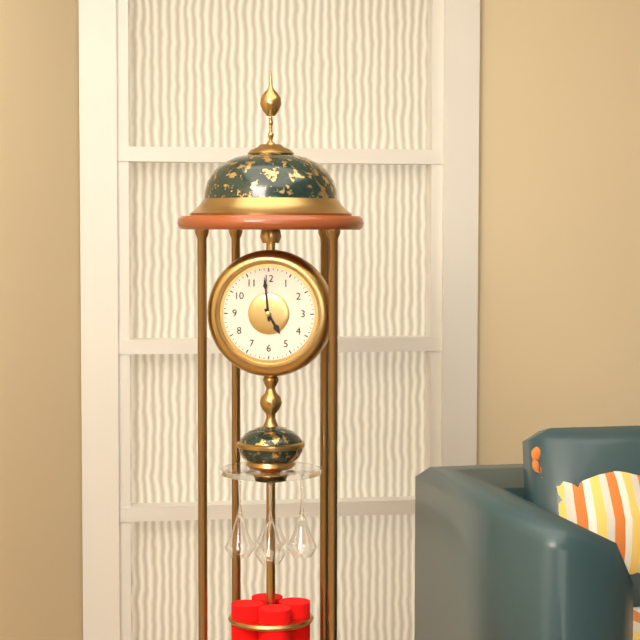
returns 4.59
